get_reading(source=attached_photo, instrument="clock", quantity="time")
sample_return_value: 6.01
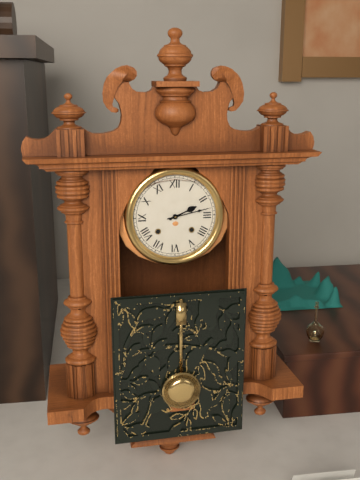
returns 2.13
